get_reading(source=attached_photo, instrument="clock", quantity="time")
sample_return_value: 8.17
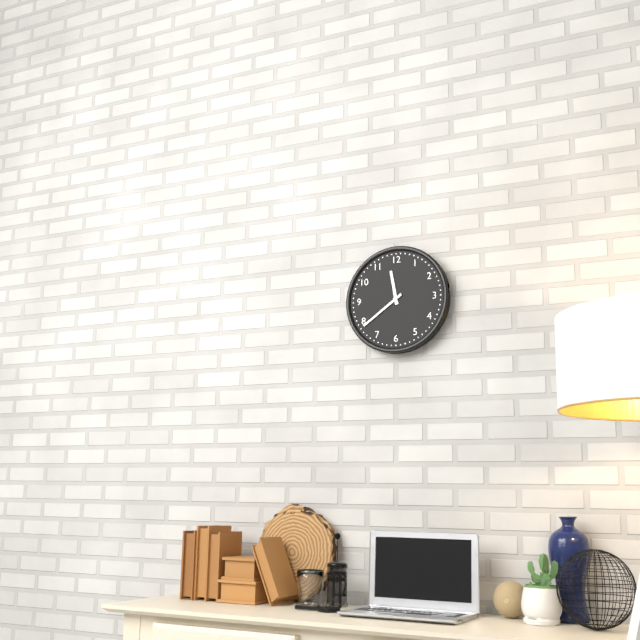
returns 11.39
